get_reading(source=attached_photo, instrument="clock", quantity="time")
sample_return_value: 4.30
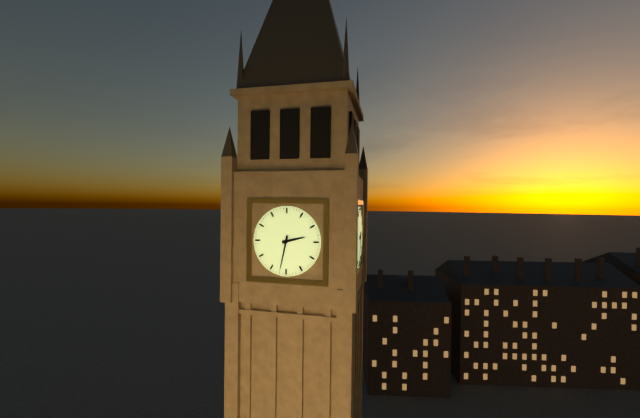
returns 2.32
